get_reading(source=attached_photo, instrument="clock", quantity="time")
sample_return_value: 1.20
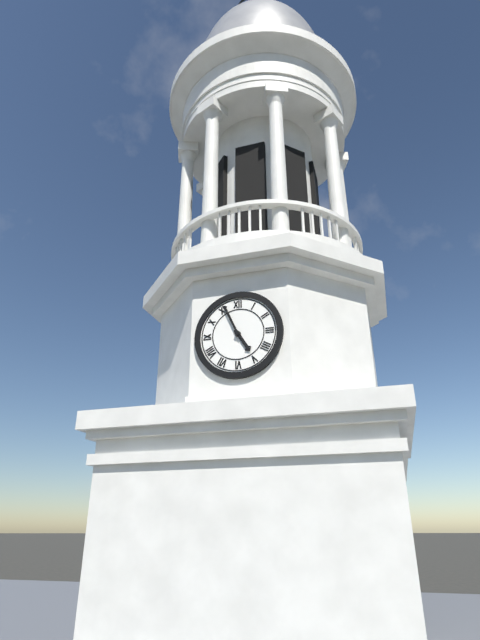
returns 4.56
